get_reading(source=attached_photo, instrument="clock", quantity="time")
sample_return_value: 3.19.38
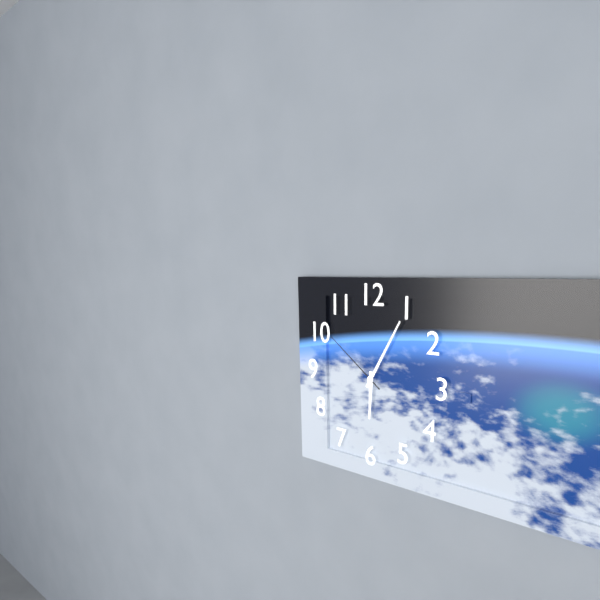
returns 6.05.51
